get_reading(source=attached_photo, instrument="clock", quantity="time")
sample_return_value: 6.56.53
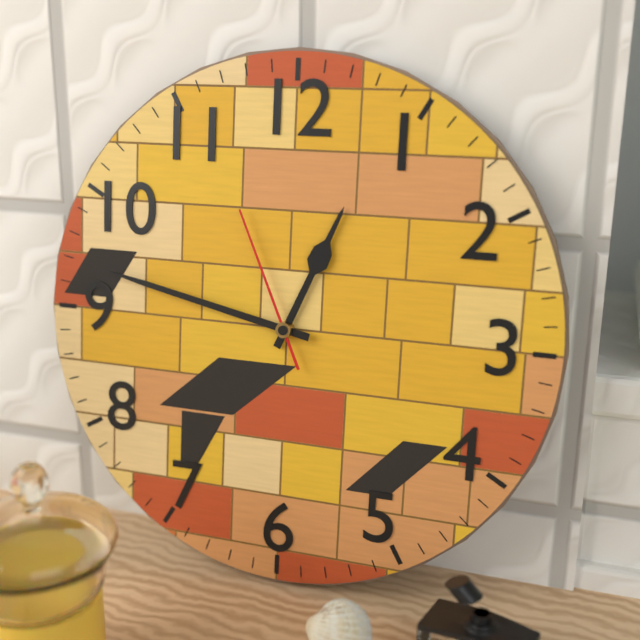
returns 12.47.56
